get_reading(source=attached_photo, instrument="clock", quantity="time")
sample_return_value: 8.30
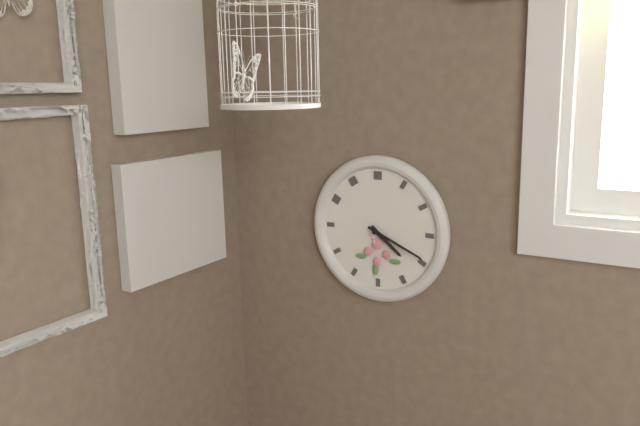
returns 4.19
